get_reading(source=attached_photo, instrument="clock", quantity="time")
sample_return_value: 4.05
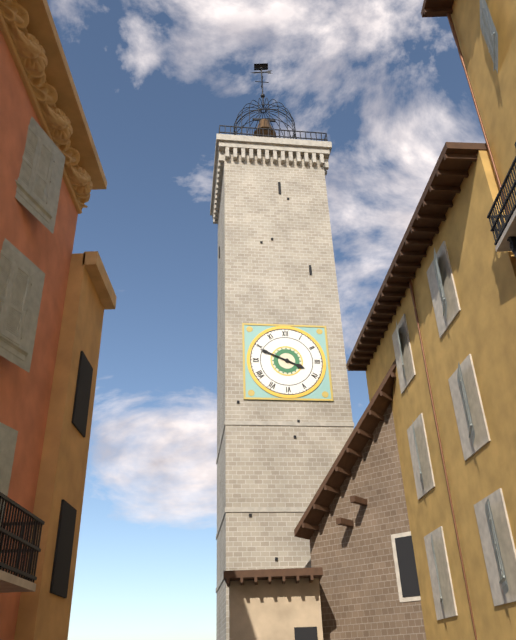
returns 3.49
